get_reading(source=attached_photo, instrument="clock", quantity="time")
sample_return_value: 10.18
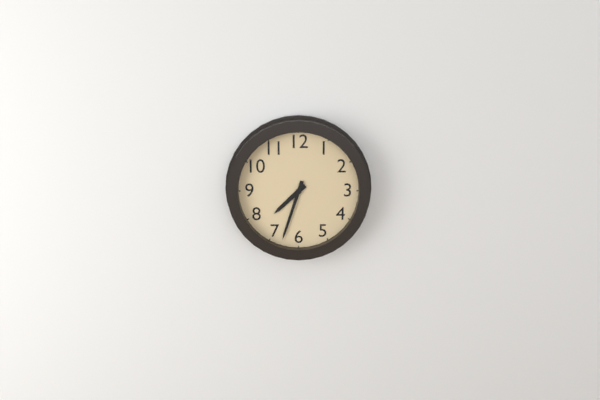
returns 7.33
